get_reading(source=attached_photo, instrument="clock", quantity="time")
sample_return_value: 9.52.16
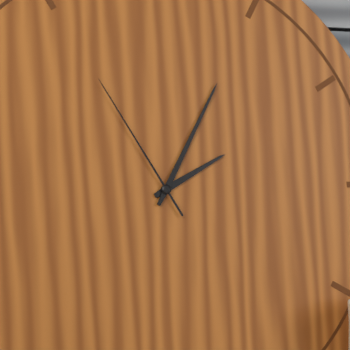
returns 2.05.55
